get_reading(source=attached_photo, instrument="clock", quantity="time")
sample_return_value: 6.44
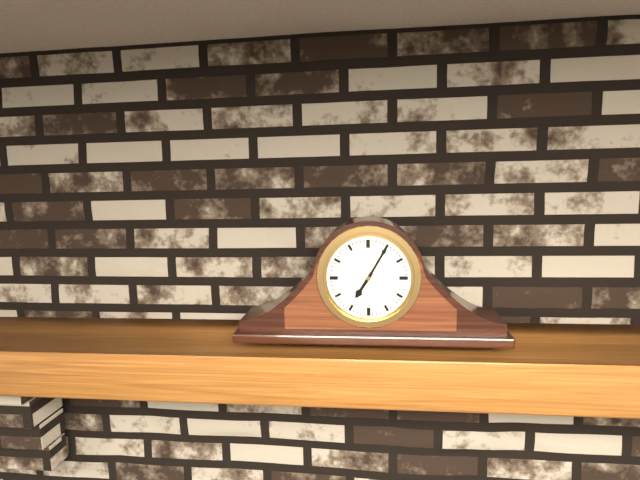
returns 7.05
